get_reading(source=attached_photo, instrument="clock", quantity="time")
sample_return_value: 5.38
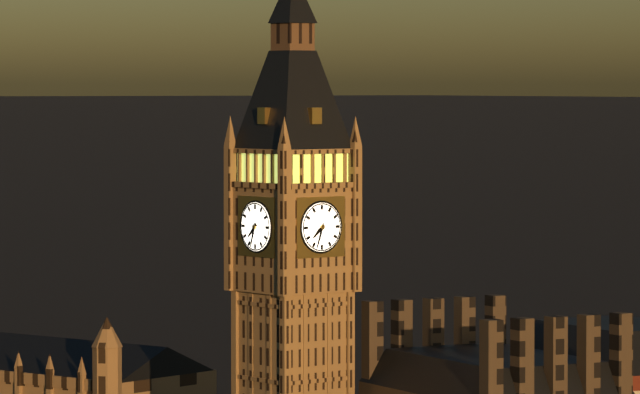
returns 7.33
